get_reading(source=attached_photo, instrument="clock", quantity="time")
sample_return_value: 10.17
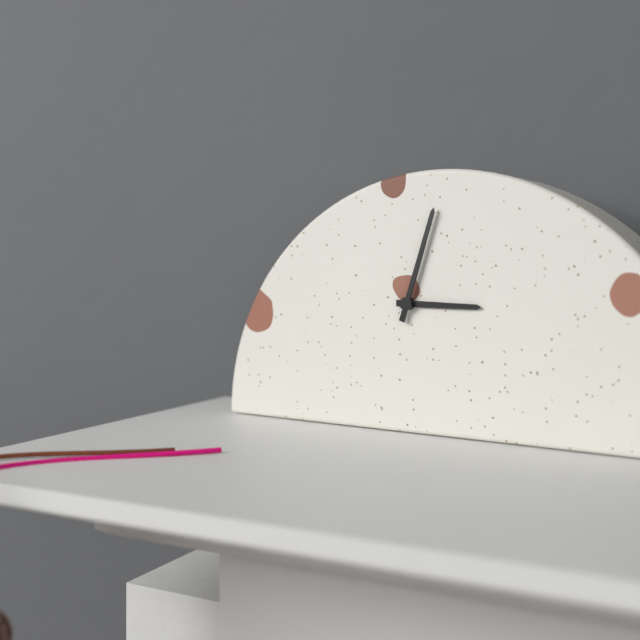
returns 3.03
